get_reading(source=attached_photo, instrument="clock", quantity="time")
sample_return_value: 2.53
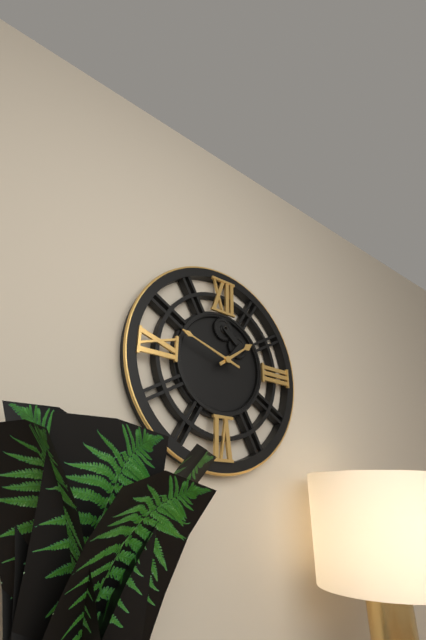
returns 1.48
